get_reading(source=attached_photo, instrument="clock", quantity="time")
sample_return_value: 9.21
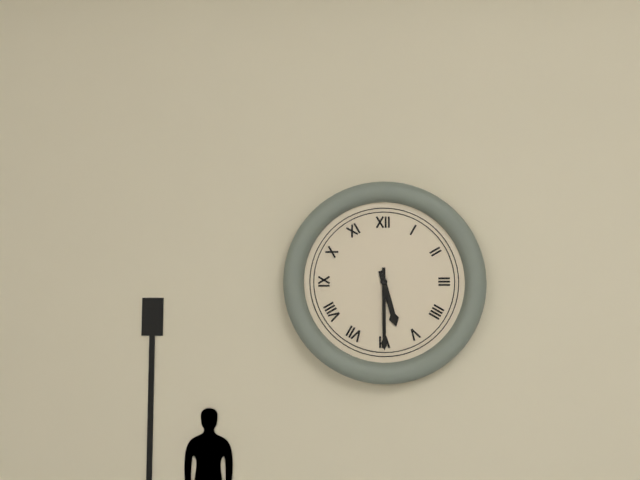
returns 5.30
